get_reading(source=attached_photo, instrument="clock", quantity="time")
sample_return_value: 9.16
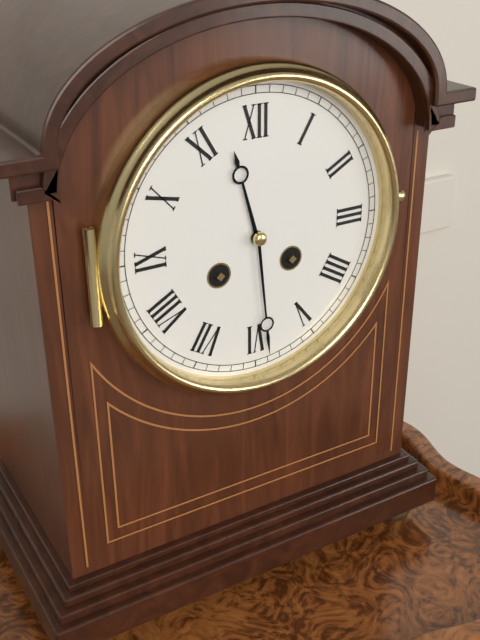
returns 11.29
